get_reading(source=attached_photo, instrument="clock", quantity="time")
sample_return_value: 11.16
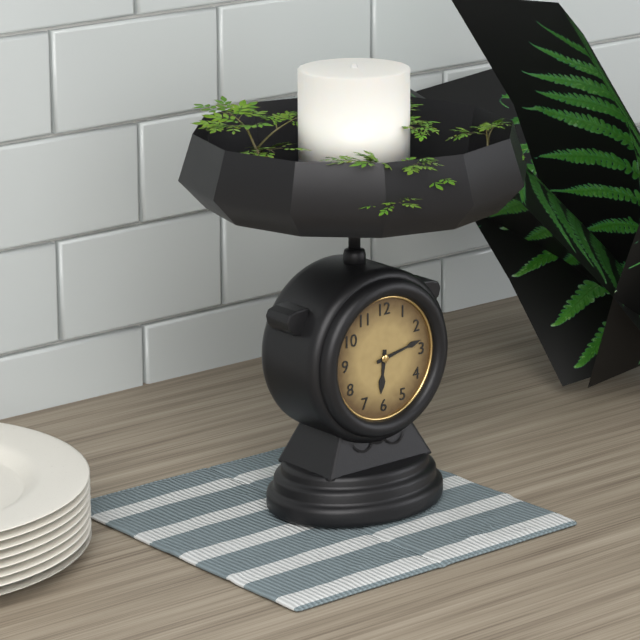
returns 6.13
